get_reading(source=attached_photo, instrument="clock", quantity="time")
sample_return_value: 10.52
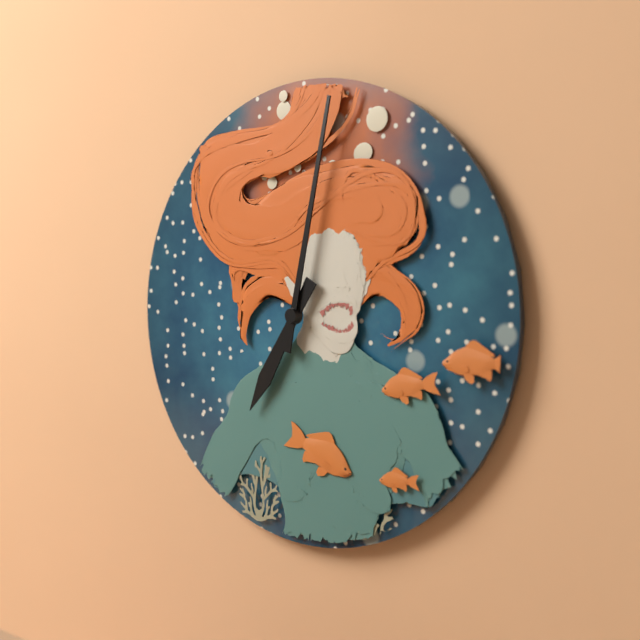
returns 7.02
